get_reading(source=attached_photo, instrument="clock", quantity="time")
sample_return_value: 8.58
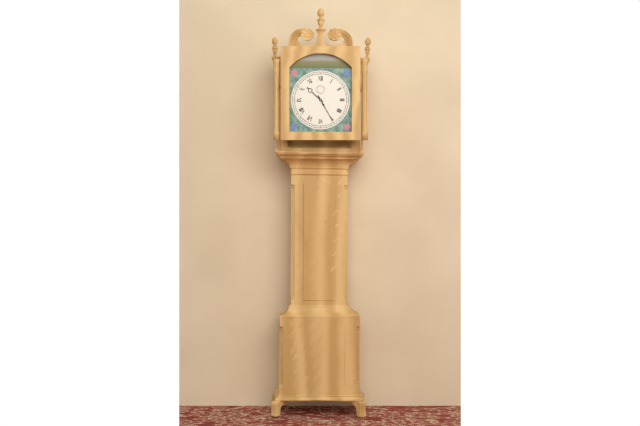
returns 10.25
